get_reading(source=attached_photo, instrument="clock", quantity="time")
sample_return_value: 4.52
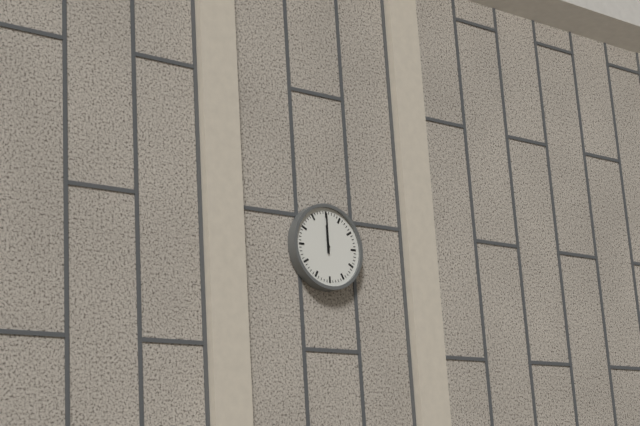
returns 12.00
